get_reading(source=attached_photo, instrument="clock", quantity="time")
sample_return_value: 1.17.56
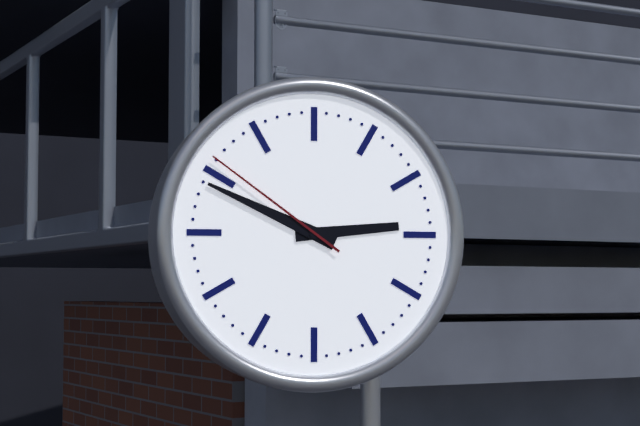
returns 2.49.51
